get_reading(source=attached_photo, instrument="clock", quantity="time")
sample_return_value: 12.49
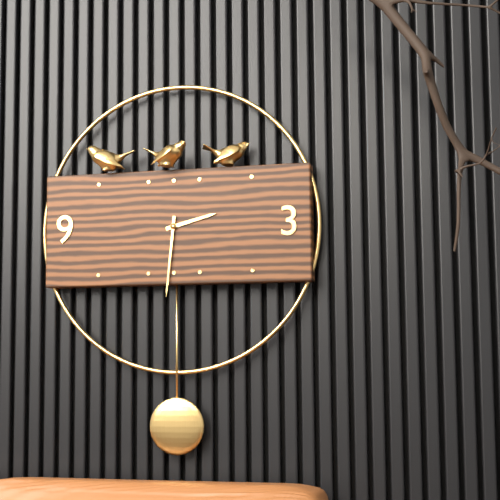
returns 2.31
